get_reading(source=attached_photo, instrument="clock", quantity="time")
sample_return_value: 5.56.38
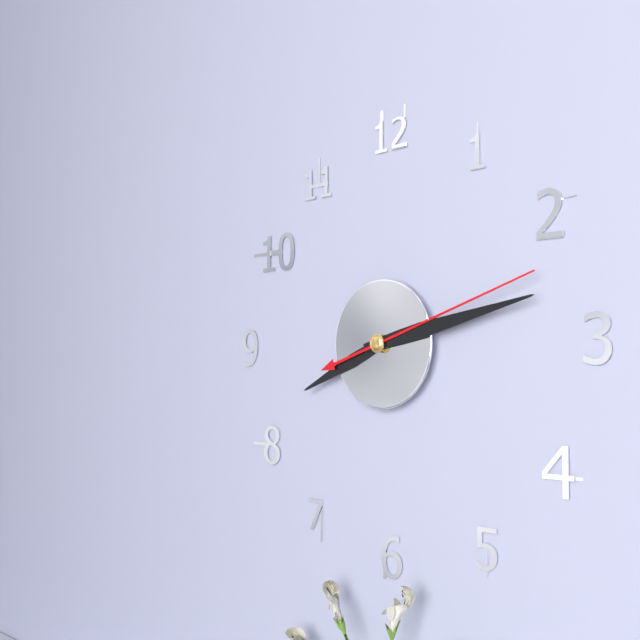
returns 8.13.12
